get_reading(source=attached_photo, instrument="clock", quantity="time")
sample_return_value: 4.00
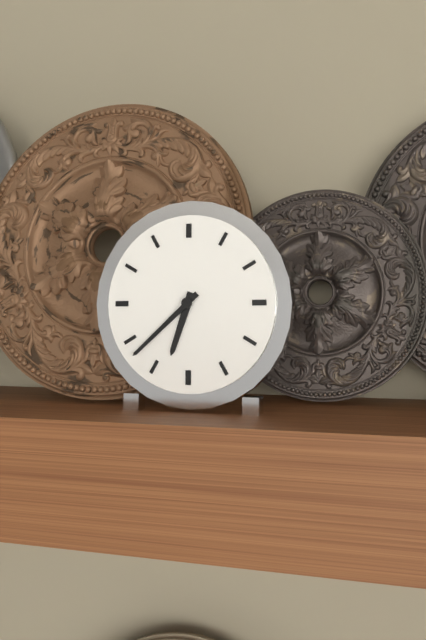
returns 6.38
